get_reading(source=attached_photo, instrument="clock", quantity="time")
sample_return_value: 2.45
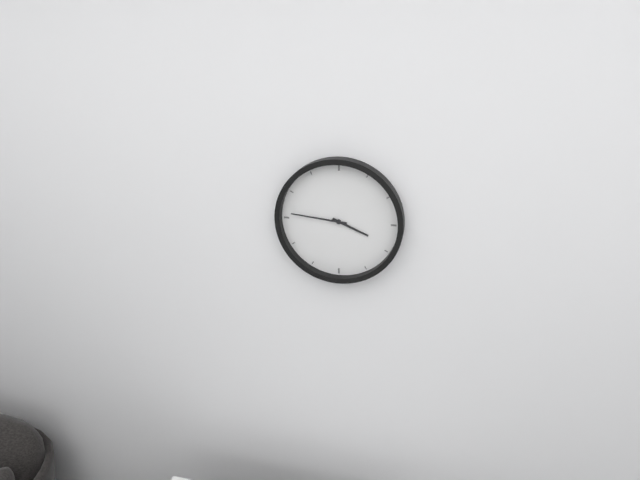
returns 3.46
